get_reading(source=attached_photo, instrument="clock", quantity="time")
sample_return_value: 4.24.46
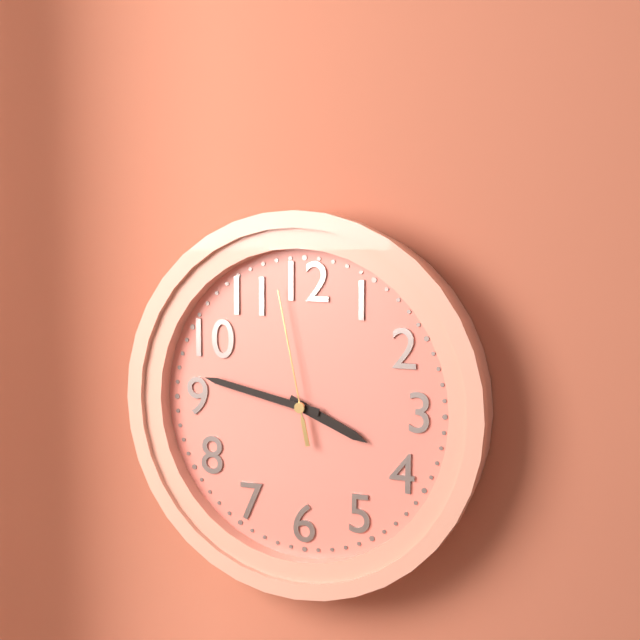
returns 3.47.58
